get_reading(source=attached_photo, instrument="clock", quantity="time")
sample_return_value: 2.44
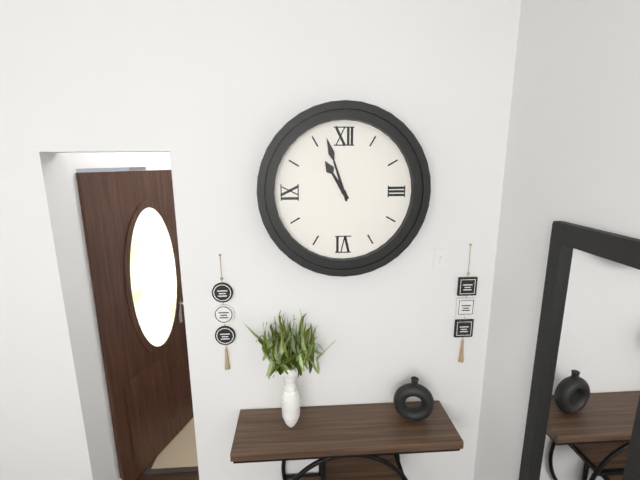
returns 10.57
